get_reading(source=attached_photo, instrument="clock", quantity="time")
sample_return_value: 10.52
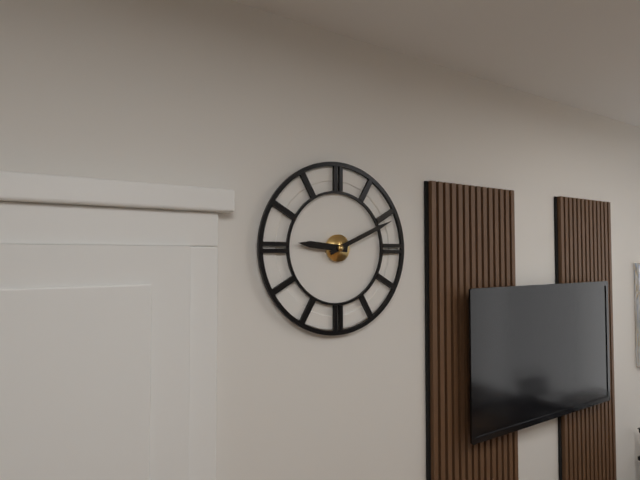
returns 9.11
